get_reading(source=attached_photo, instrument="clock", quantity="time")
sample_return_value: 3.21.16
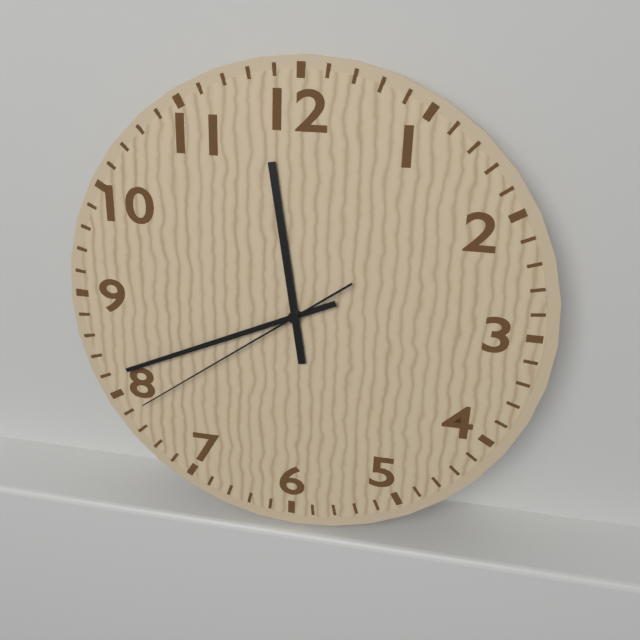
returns 11.41.39
